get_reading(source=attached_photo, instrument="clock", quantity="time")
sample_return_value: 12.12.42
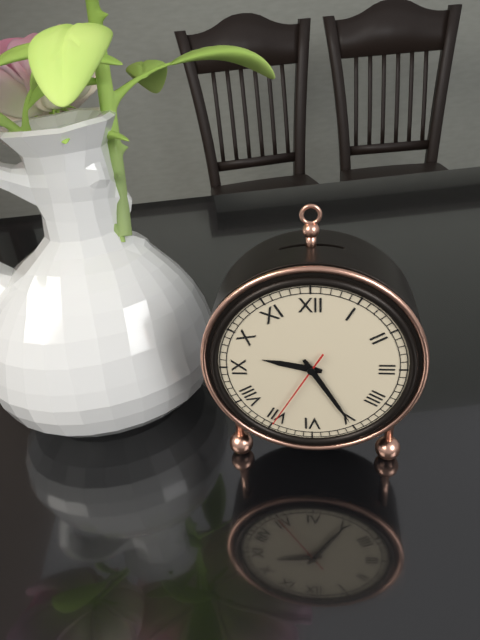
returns 9.25.35
